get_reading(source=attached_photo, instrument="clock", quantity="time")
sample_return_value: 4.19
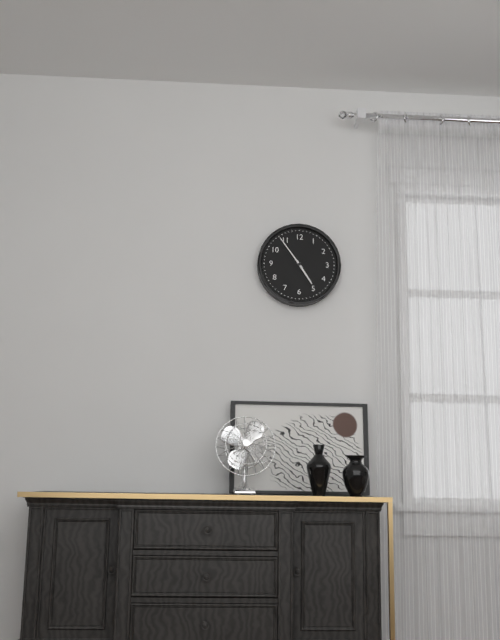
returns 4.54
